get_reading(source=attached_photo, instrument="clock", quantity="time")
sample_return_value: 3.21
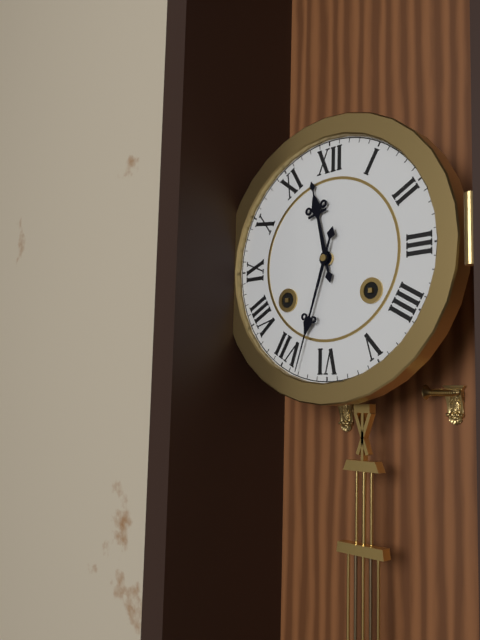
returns 11.33
